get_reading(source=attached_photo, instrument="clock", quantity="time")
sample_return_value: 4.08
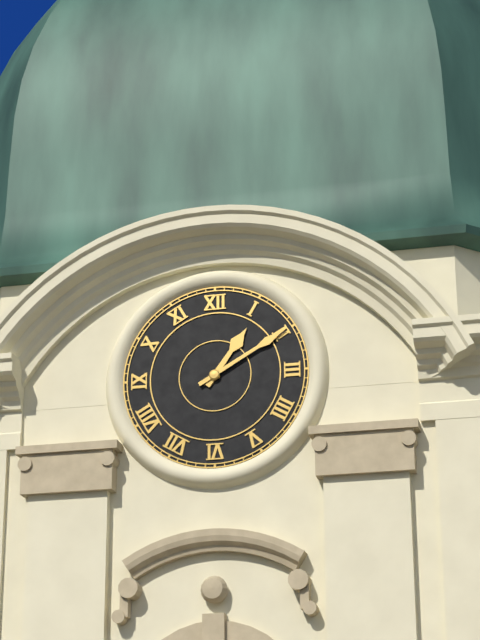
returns 1.10
